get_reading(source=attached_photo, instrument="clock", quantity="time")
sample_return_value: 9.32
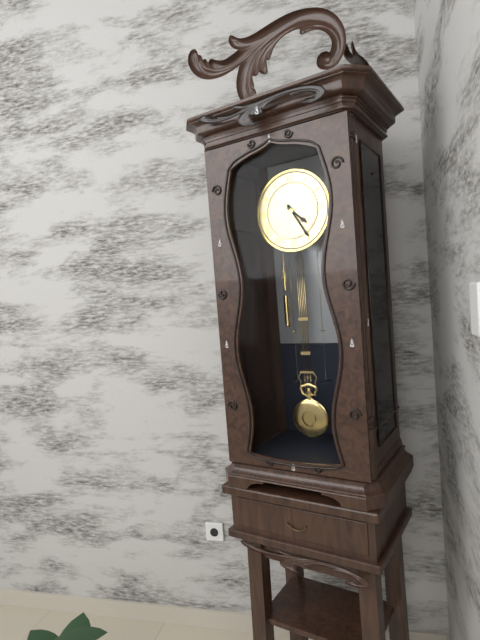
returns 4.25
